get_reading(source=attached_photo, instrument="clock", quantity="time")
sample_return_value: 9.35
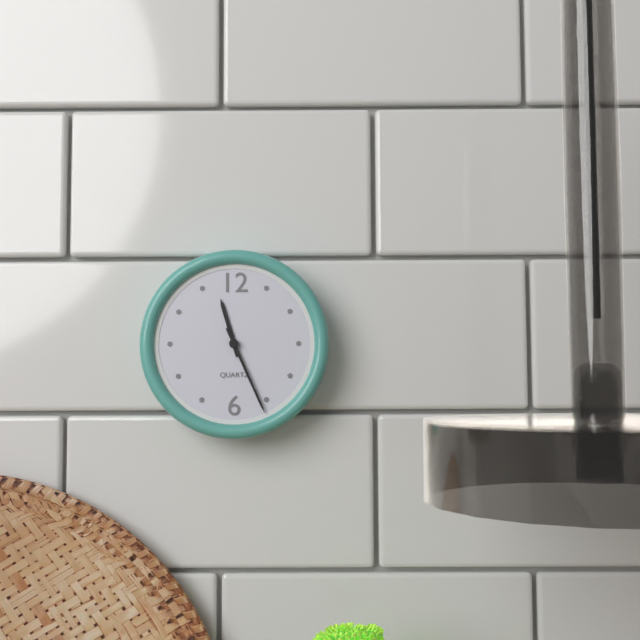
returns 11.26
